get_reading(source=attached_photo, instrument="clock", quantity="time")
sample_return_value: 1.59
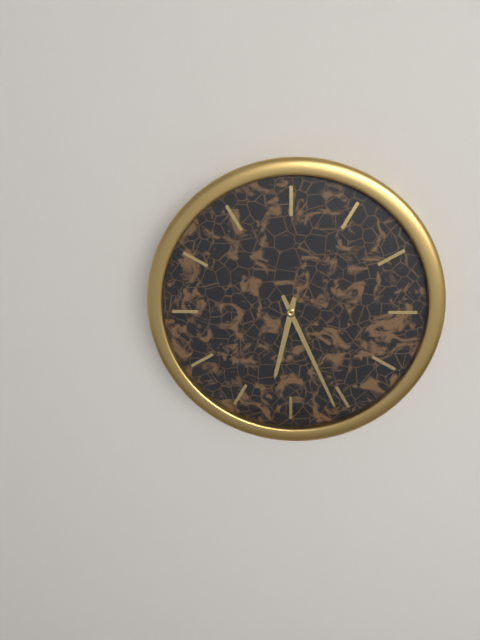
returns 6.26
